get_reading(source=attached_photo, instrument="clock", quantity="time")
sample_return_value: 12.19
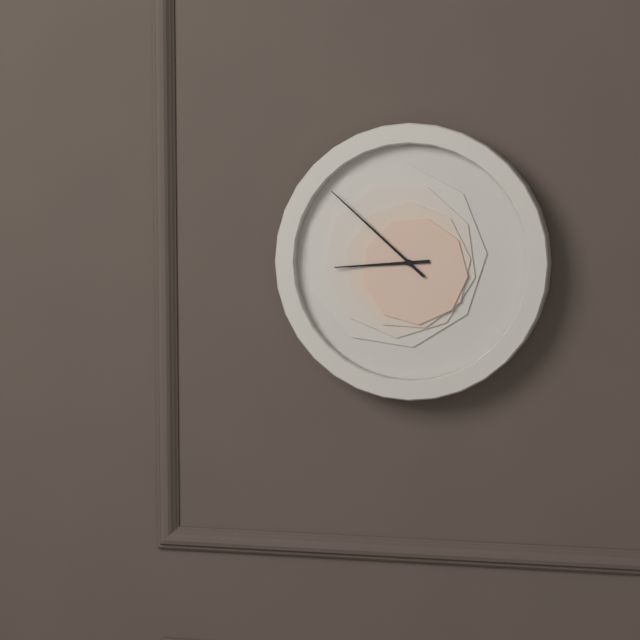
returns 8.52
